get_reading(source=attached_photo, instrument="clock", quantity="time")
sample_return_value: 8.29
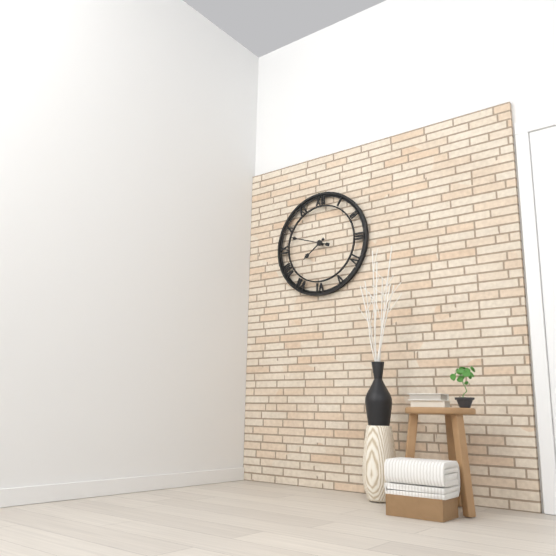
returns 7.48
